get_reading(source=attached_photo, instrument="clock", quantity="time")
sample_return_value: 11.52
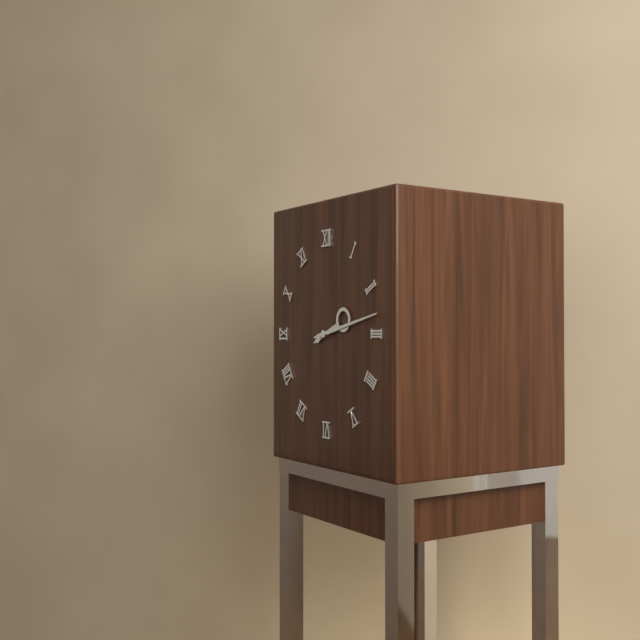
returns 2.13
